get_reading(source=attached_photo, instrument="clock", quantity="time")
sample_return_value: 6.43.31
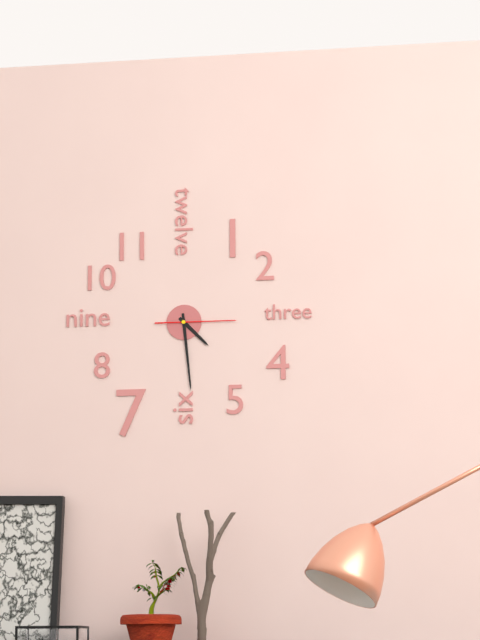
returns 4.29.15
